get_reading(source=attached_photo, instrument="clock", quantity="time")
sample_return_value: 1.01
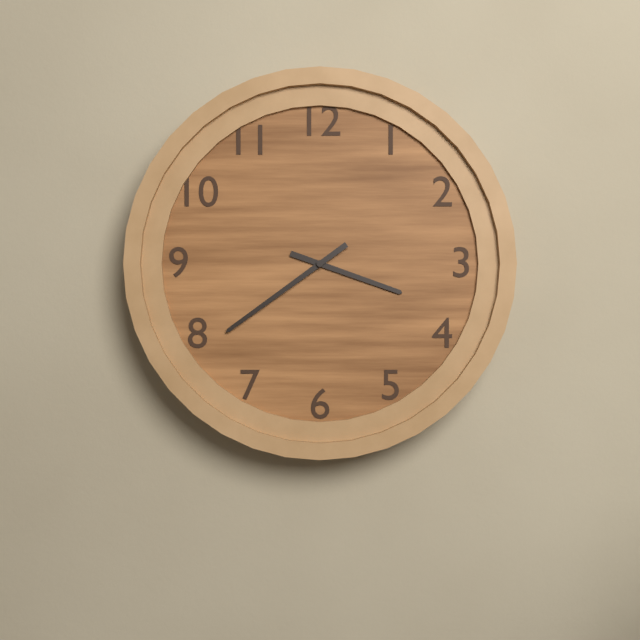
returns 3.39
